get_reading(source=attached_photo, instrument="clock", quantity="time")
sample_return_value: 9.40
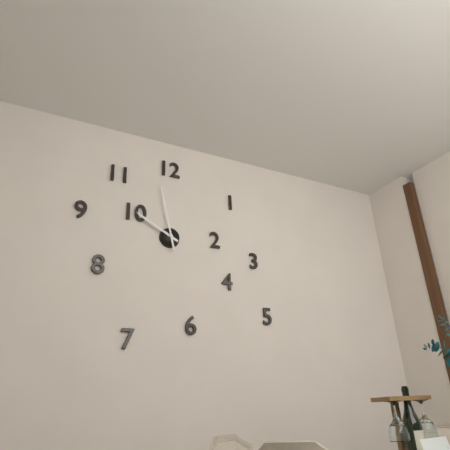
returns 9.58
